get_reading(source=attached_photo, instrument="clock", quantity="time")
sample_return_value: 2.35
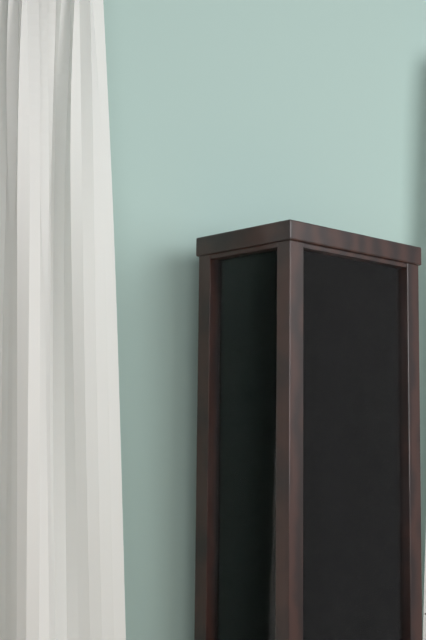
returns 10.27
